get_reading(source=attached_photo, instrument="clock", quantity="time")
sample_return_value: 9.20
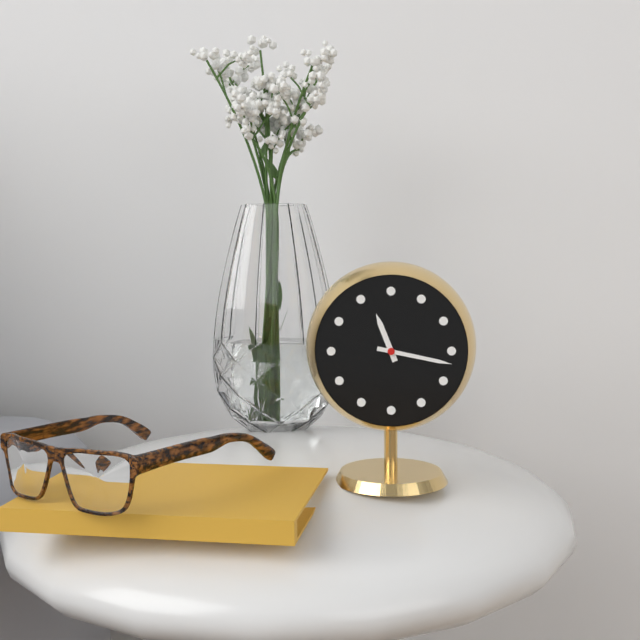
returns 11.17
